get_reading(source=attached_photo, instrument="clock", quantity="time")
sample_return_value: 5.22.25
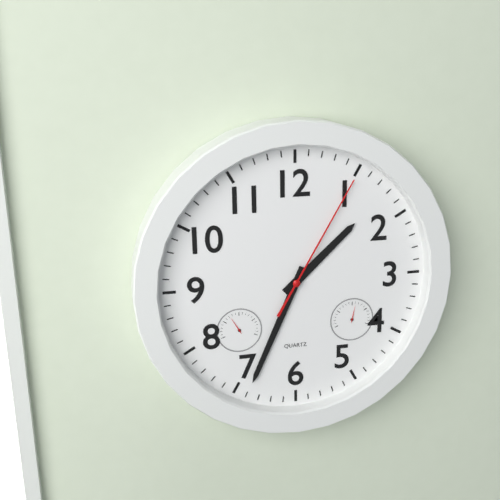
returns 1.34.05
